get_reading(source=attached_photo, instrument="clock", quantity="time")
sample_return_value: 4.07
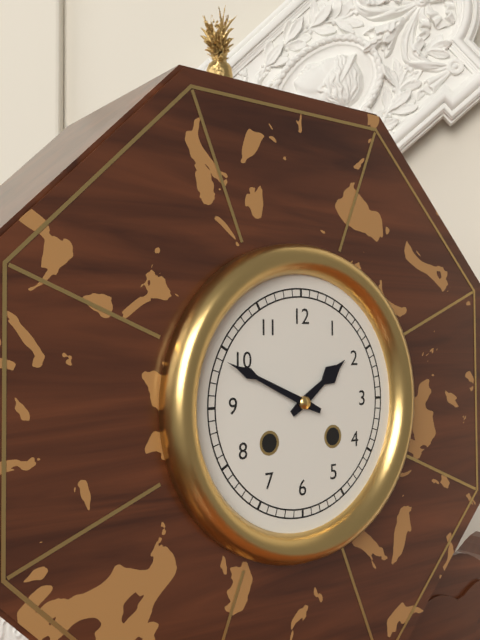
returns 1.49
